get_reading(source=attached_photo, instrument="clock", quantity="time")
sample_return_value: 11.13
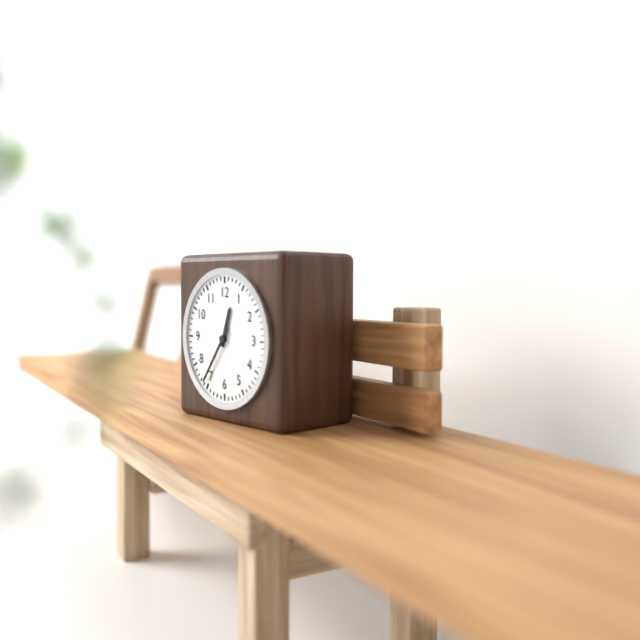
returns 12.36
